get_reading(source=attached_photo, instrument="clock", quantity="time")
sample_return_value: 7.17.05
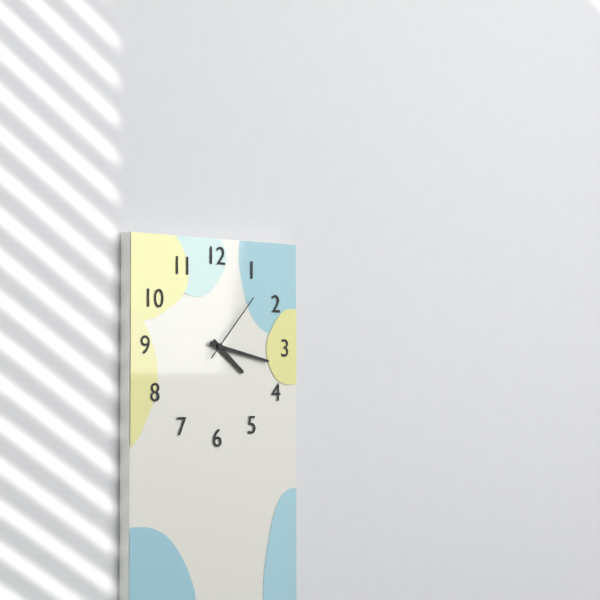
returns 4.17.07
